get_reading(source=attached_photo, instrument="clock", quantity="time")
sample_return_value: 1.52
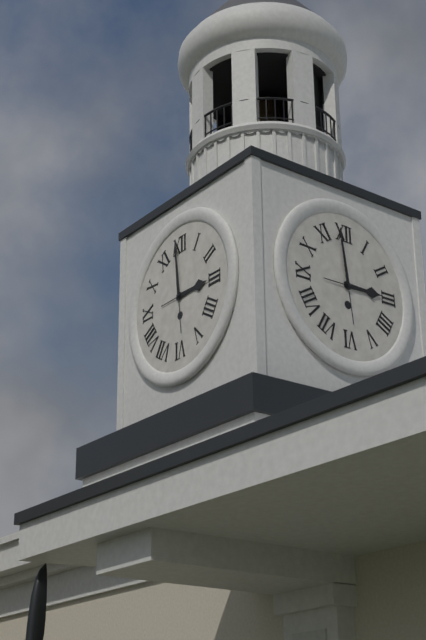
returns 2.59
